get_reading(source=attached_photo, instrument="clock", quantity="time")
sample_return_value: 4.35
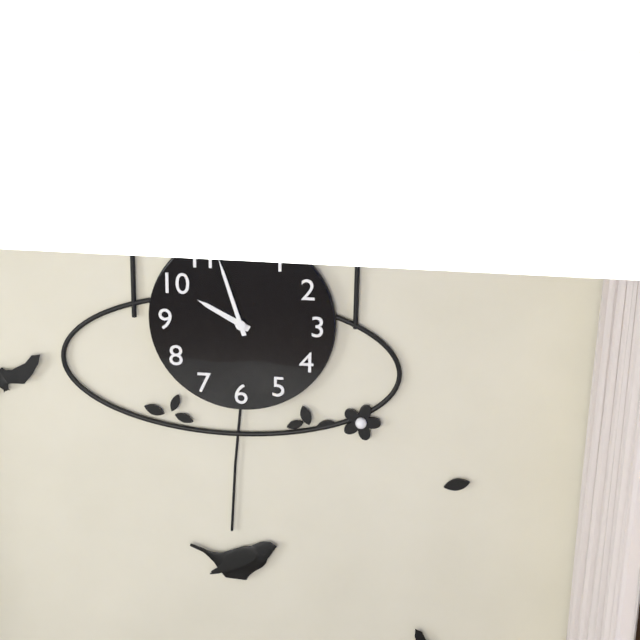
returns 9.57
